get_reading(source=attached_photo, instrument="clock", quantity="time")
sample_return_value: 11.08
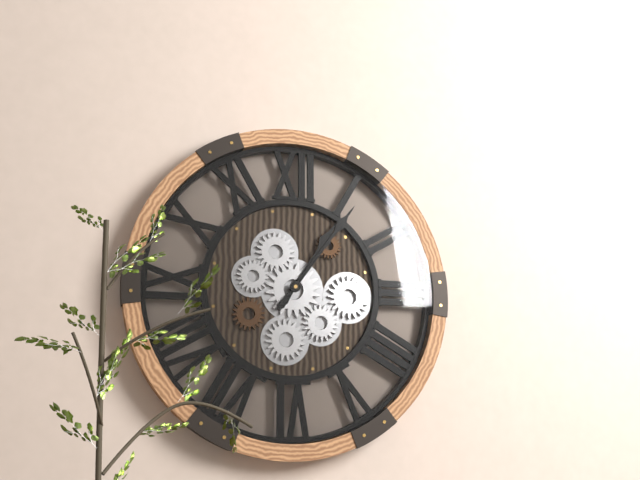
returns 1.06
